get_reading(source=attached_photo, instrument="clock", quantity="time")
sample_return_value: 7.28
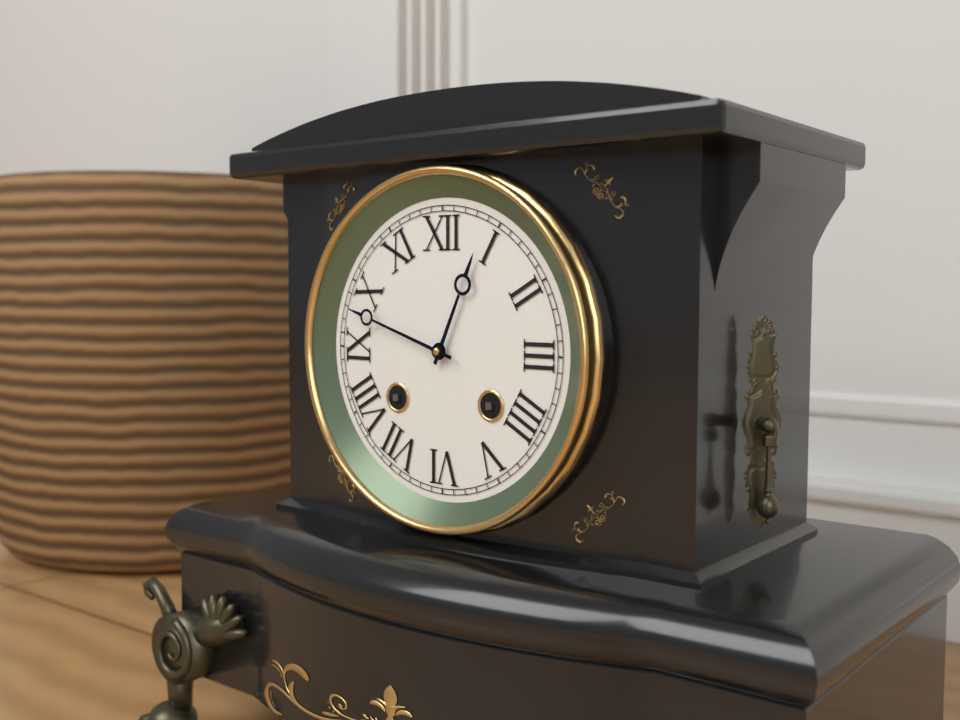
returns 12.48
